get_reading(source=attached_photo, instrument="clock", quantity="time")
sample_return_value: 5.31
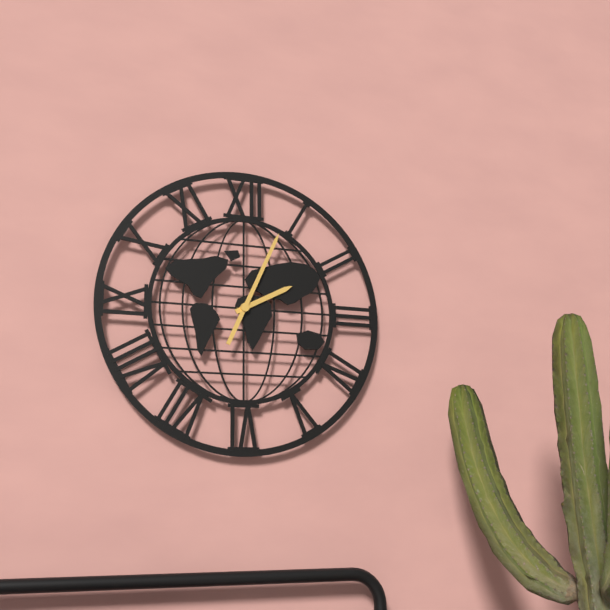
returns 2.04
